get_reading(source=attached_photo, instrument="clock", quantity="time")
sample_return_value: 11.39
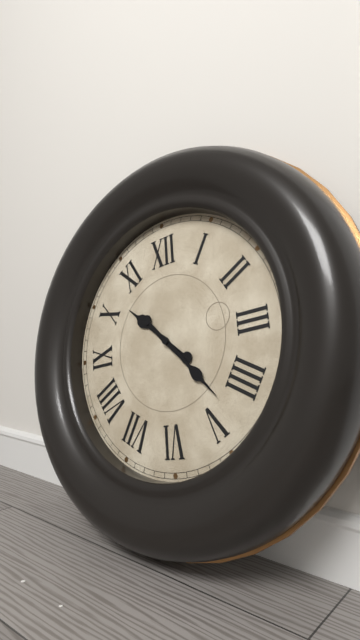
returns 10.23
